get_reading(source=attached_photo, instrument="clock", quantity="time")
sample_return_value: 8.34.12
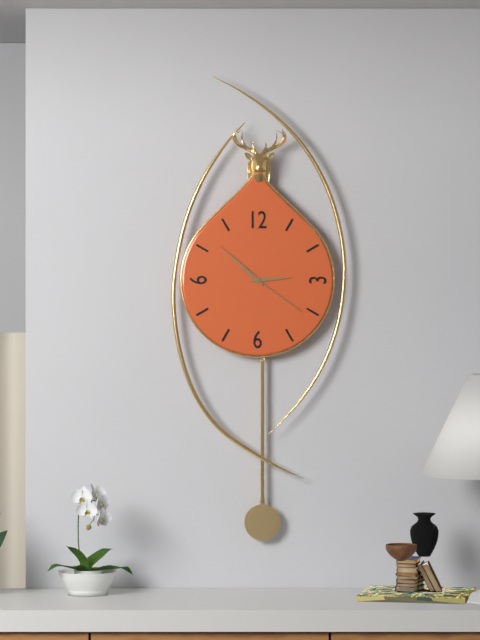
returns 2.52.21
